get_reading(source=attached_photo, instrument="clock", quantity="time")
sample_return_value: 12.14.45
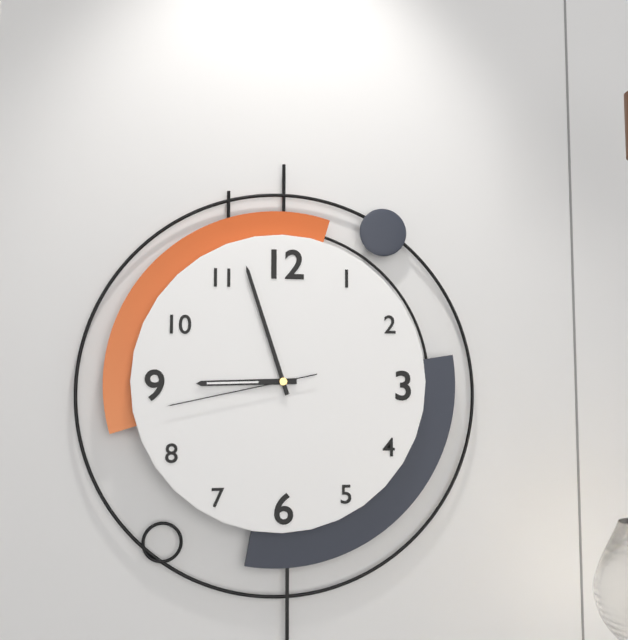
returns 8.57.43
